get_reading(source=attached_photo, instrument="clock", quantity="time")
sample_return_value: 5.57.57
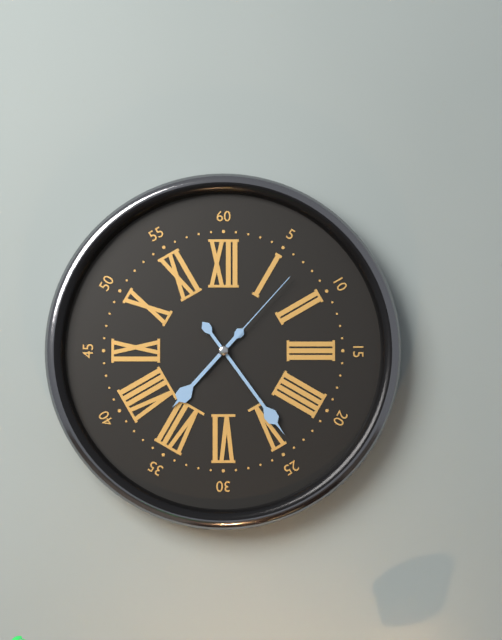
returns 7.24.07
